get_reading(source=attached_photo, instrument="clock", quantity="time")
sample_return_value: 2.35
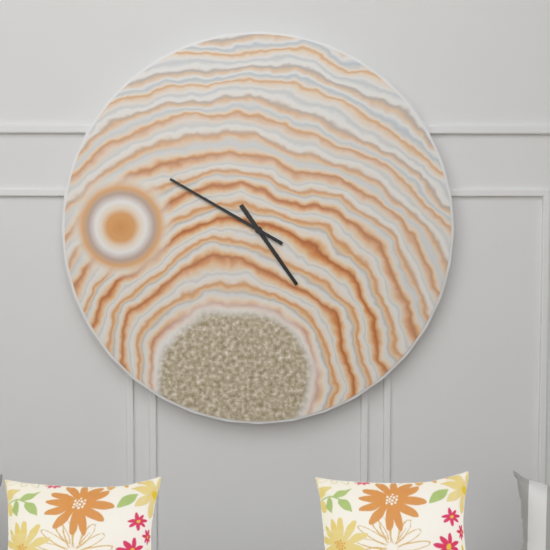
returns 4.50
